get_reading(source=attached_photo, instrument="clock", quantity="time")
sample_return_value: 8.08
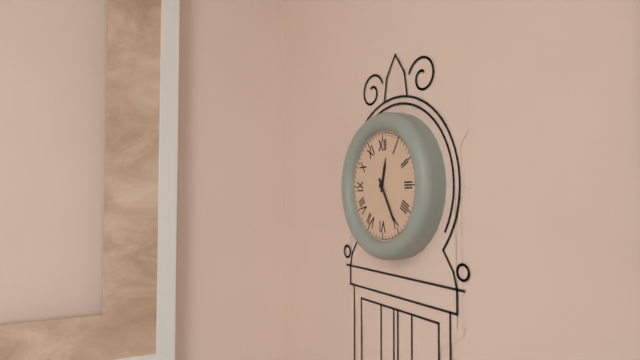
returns 12.25
